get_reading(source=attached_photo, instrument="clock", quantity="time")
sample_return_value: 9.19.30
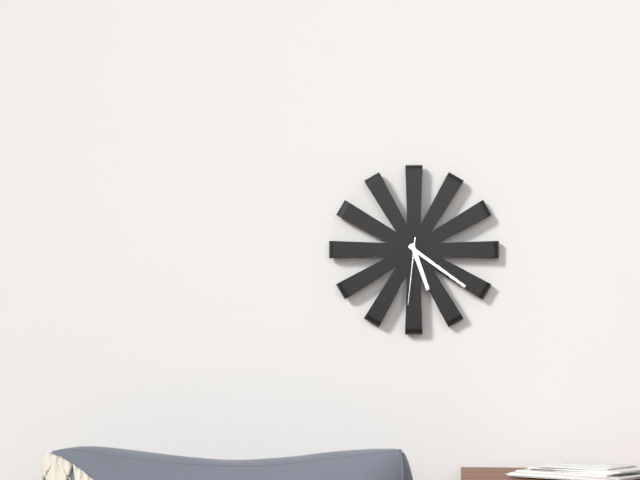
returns 5.21.31
